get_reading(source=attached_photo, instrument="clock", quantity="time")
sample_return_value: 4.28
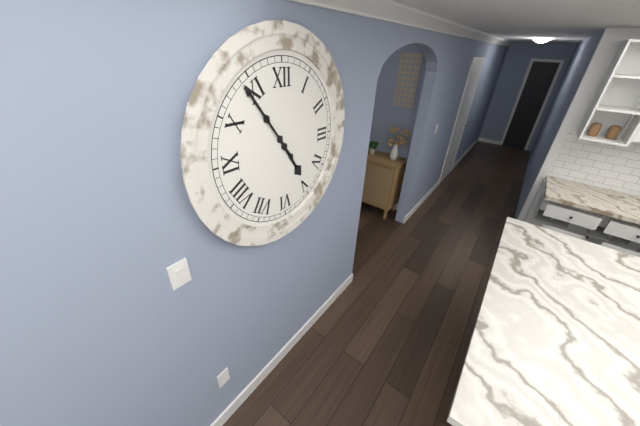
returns 4.54
